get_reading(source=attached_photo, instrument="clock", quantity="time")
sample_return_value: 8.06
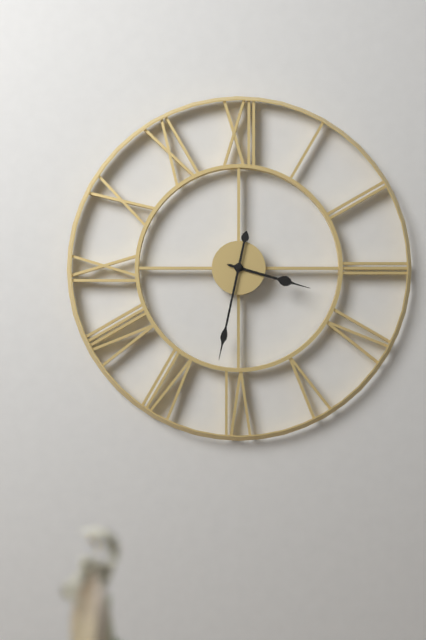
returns 3.32
